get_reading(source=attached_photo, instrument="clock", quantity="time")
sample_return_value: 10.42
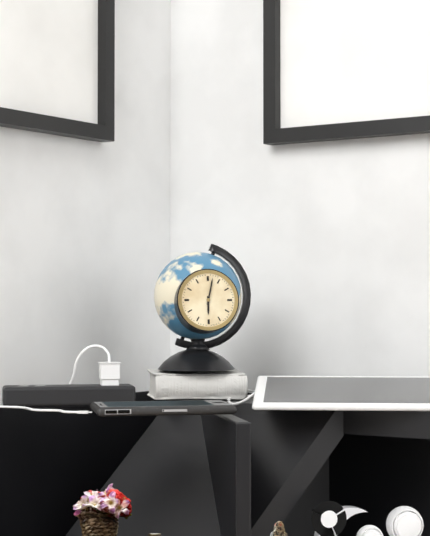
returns 6.02
